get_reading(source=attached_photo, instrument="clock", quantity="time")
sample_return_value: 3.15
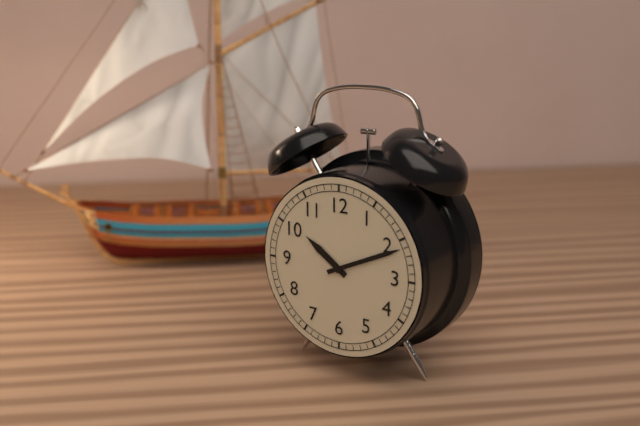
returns 10.11
